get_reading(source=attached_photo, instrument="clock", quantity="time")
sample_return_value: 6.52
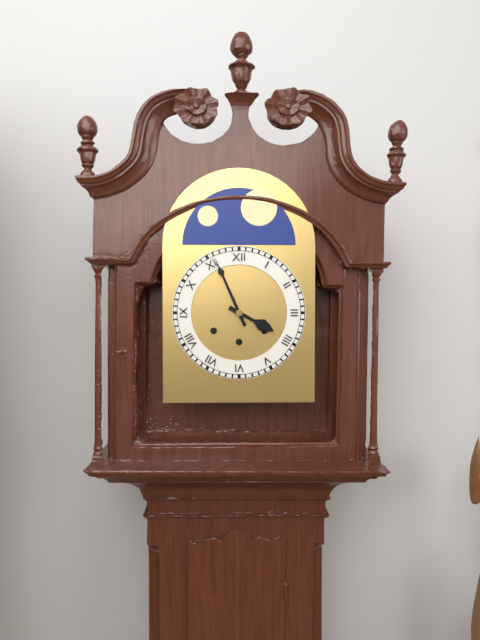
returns 3.56
